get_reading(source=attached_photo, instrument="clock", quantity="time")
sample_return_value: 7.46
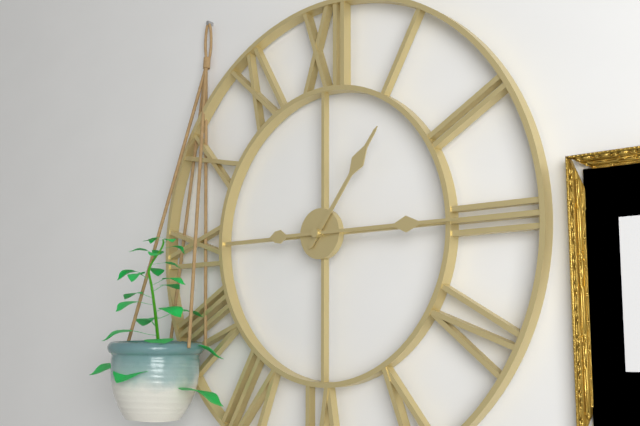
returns 1.15
